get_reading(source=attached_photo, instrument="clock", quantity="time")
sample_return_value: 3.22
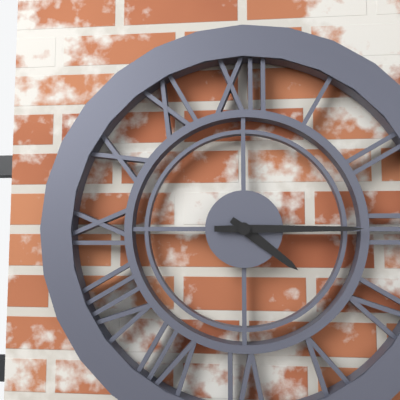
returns 4.15
